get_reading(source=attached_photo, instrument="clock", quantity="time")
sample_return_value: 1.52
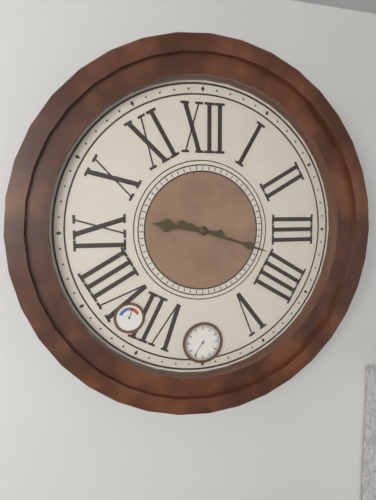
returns 9.18
